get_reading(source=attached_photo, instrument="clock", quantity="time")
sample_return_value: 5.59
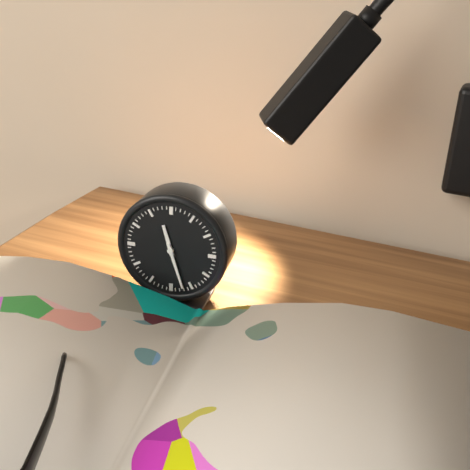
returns 11.27
